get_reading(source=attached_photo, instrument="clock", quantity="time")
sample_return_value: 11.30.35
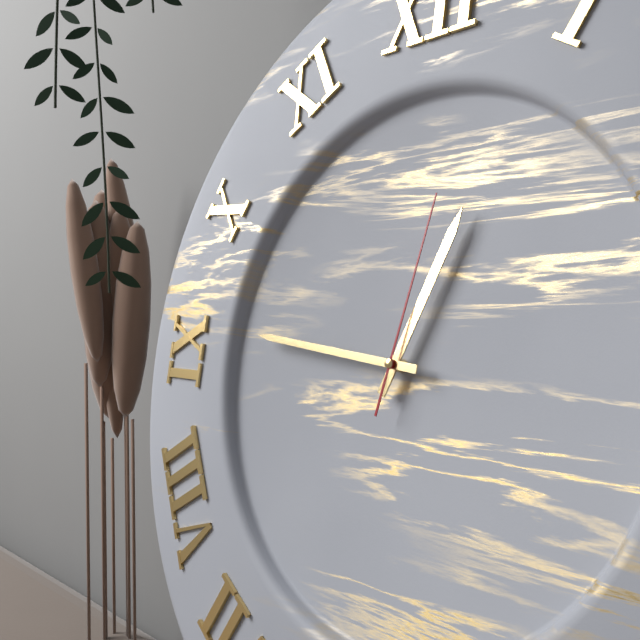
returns 12.46.02
